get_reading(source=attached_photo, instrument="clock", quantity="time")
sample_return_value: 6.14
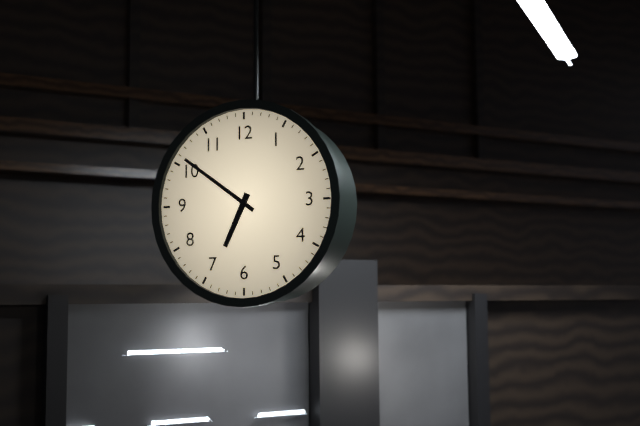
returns 6.51
